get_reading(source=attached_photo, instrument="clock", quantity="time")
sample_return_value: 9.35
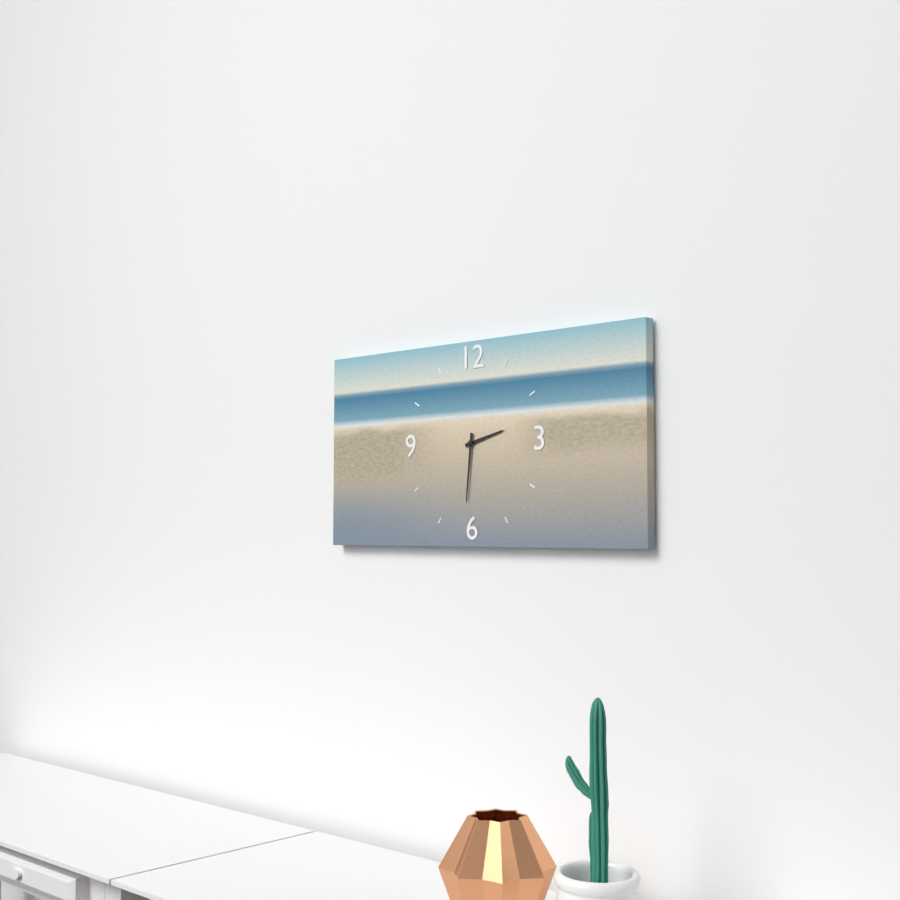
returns 2.31
